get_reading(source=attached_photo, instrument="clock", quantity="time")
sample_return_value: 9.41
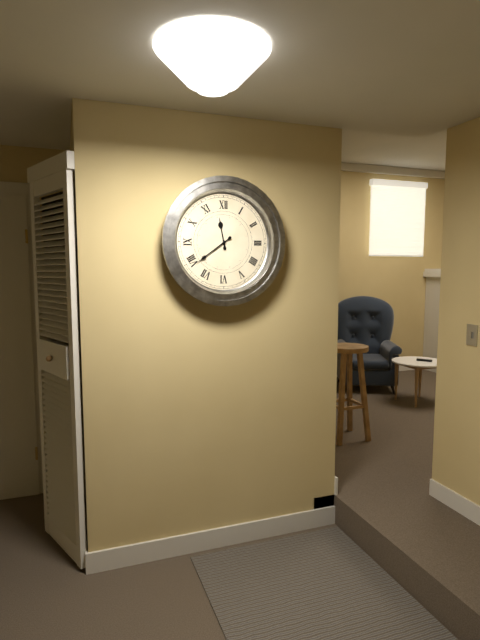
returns 11.39
